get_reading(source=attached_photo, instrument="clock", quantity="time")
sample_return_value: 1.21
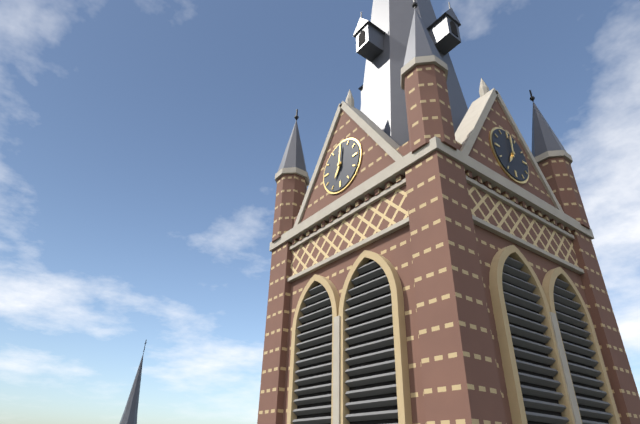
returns 7.01
